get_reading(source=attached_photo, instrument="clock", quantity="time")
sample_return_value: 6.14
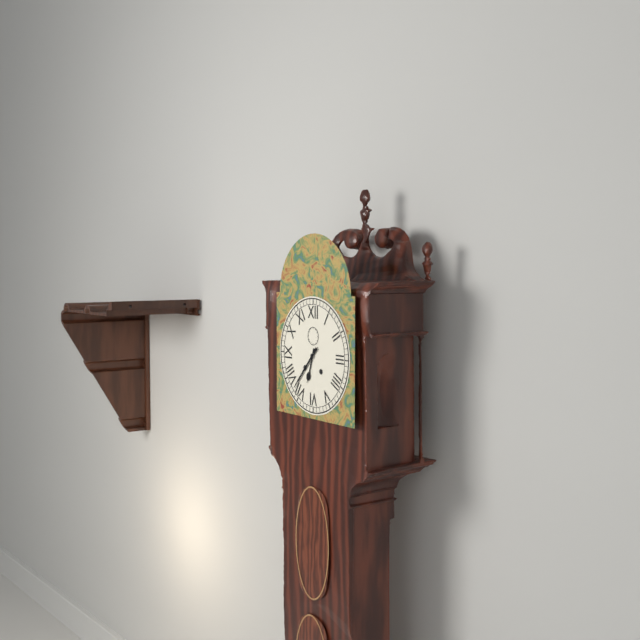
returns 6.37
